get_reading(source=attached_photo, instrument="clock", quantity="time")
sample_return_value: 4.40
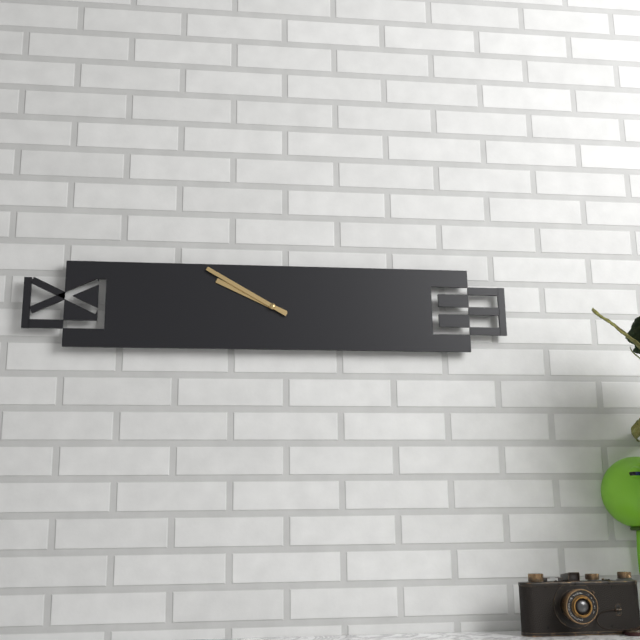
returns 9.50
